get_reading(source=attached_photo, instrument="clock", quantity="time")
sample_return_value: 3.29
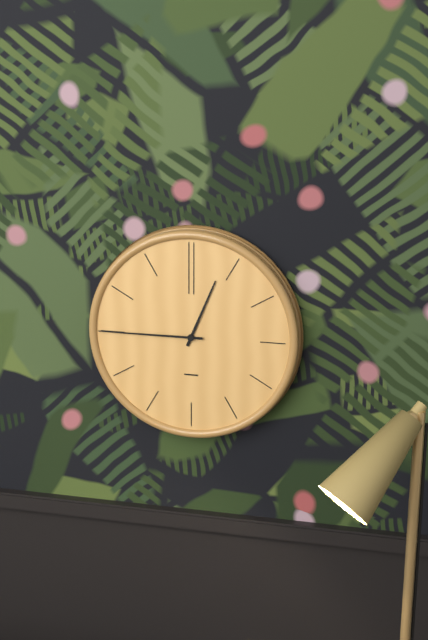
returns 12.45
